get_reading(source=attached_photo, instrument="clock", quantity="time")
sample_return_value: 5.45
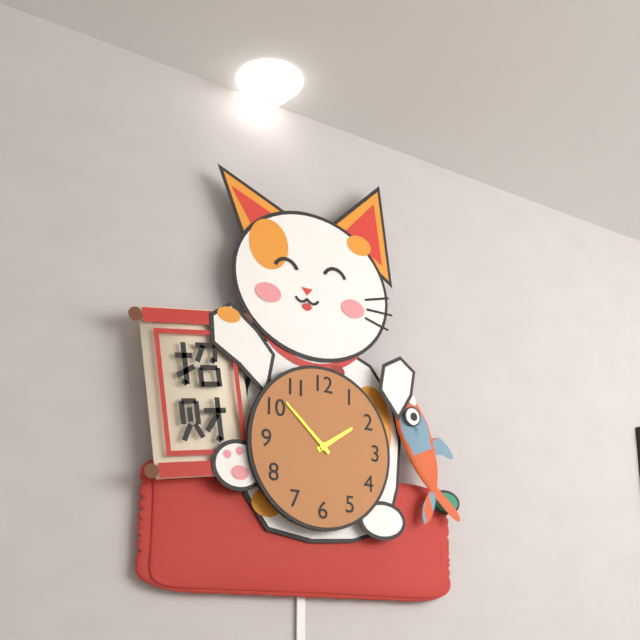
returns 1.52
